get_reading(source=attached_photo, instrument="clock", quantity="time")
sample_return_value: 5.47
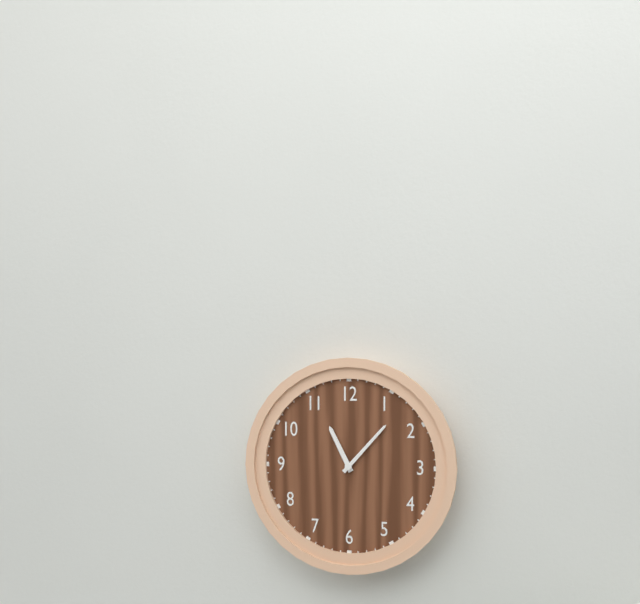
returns 11.07
